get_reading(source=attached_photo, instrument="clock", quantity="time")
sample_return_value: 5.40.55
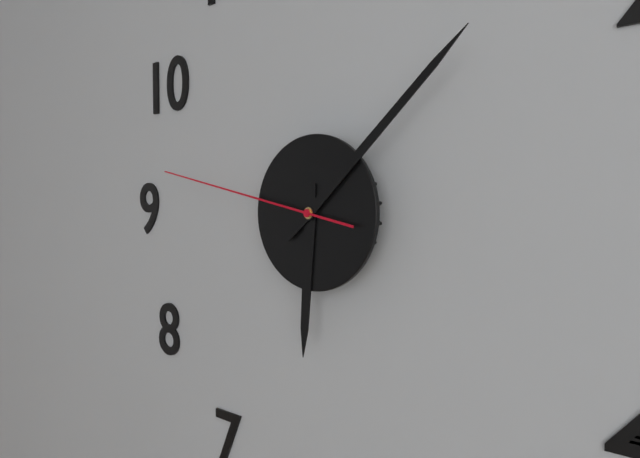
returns 6.08.47
